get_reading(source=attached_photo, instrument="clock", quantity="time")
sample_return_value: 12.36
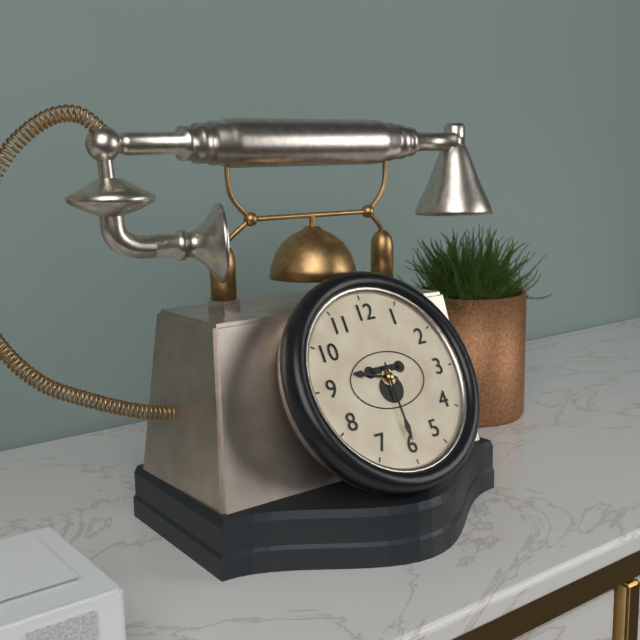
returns 9.30
